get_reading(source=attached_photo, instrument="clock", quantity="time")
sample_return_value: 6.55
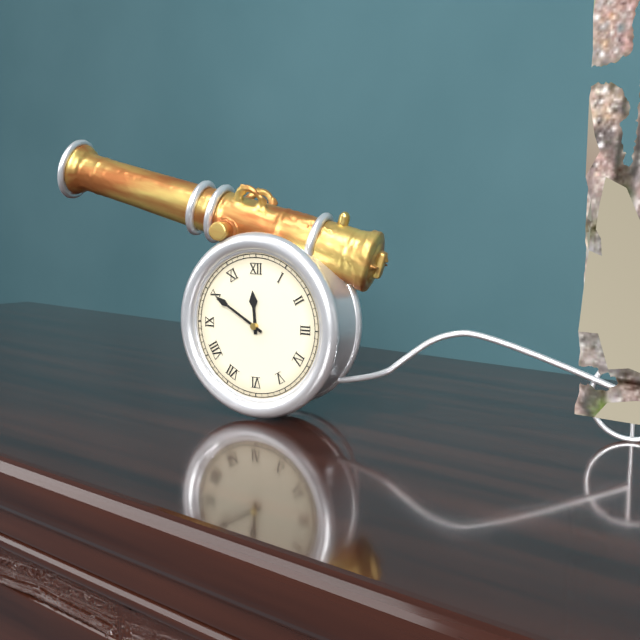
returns 11.50
